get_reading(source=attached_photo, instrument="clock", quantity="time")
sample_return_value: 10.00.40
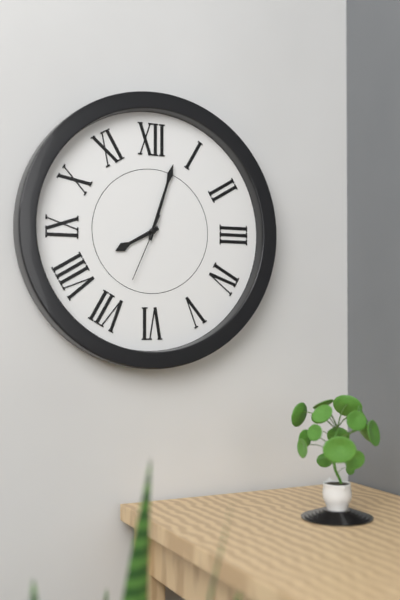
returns 8.03.34
